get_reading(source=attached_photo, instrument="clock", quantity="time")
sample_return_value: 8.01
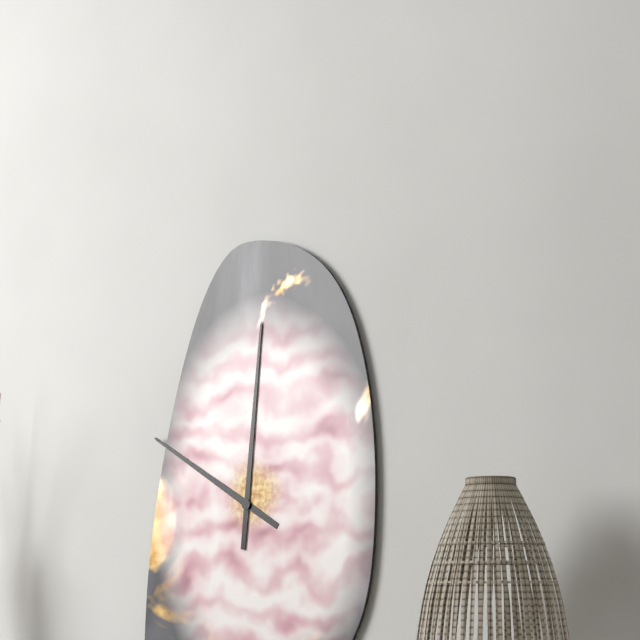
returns 10.01
